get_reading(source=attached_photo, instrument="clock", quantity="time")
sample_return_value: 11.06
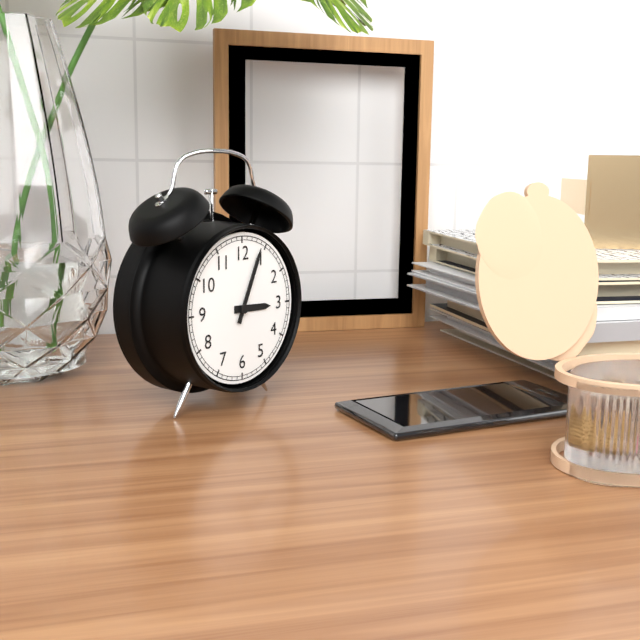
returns 3.04
